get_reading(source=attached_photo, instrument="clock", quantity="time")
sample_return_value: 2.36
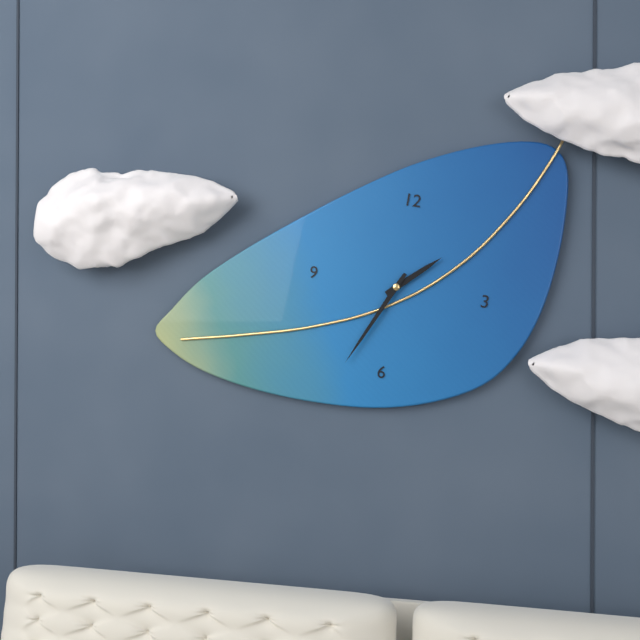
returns 1.34
